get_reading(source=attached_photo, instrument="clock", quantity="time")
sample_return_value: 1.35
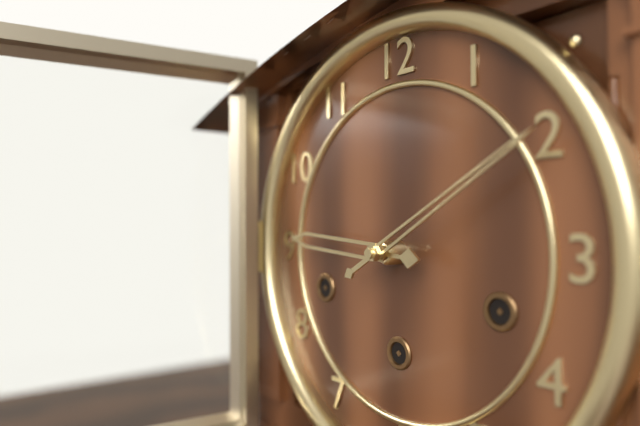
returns 9.10
